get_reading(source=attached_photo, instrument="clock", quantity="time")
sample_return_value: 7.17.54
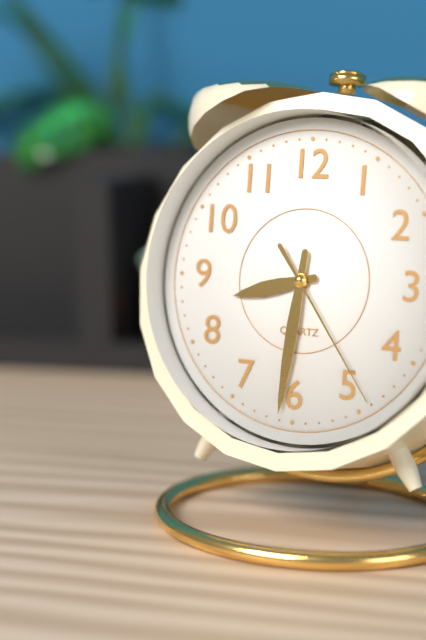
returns 8.31.24
